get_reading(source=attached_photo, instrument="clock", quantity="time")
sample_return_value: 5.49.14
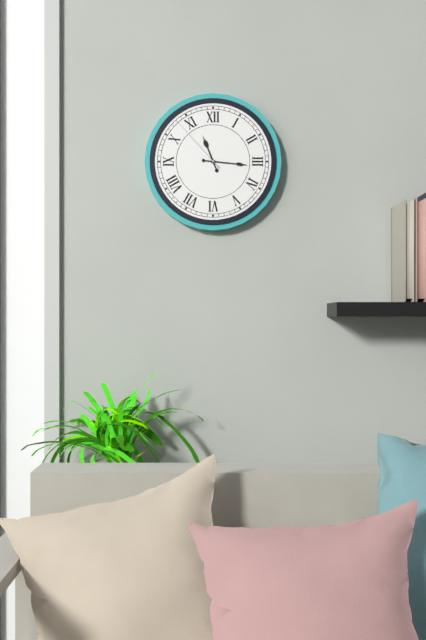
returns 11.16.53
